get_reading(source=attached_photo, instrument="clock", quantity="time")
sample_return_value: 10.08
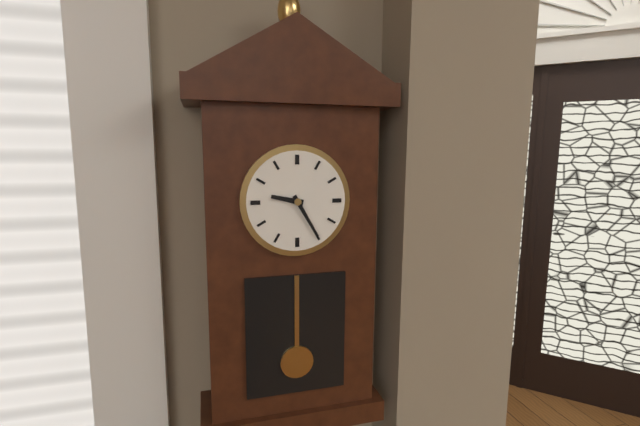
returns 9.25
